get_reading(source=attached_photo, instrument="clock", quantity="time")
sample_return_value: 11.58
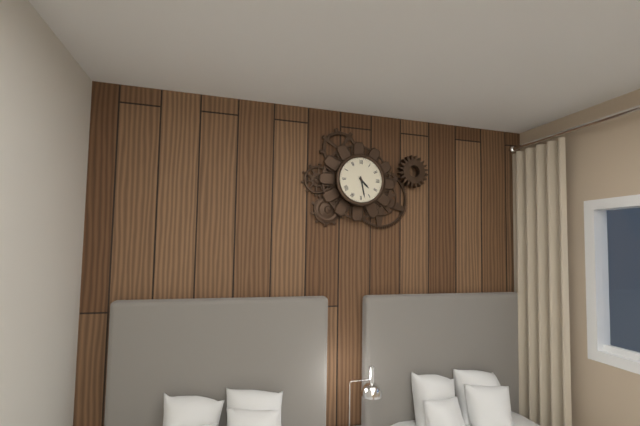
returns 4.28
